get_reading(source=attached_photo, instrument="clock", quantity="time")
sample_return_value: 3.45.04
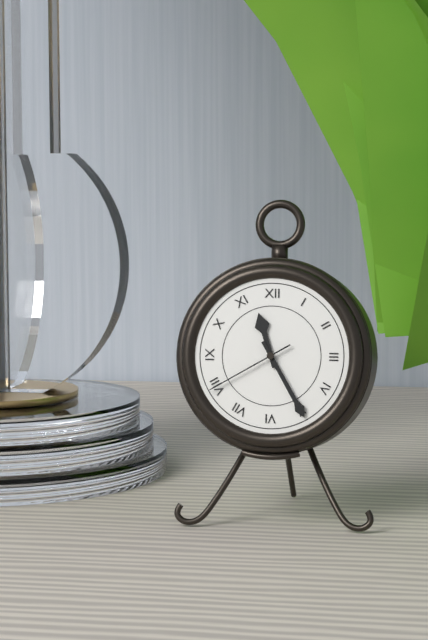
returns 11.25.40
